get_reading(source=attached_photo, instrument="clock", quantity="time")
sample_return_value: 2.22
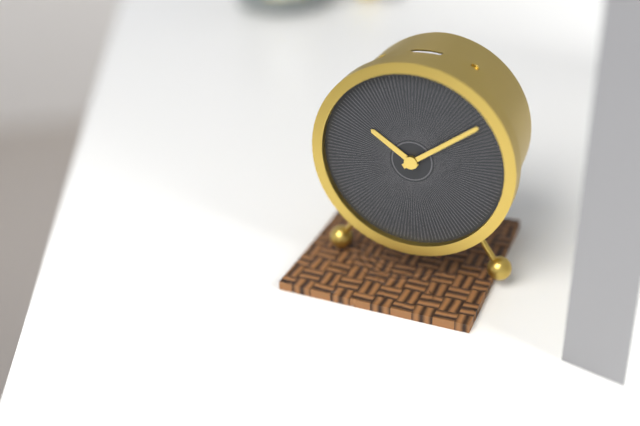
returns 10.09
